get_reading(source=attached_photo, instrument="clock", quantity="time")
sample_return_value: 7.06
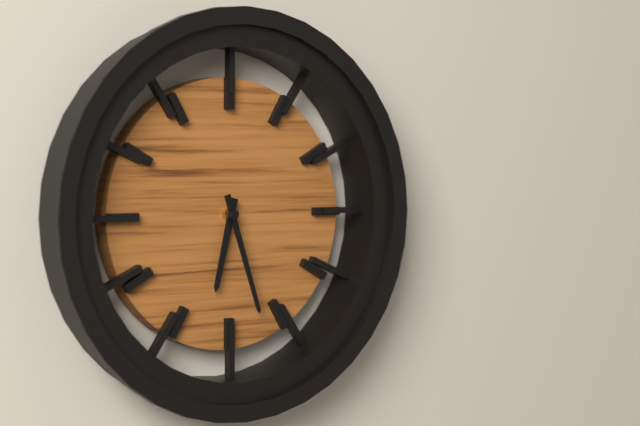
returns 6.27
